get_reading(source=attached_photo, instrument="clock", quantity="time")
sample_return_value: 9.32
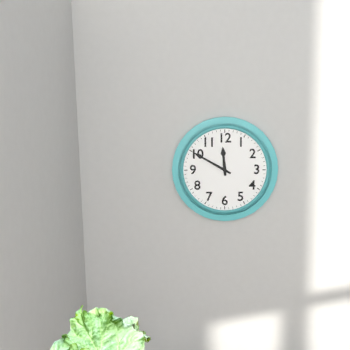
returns 11.50
